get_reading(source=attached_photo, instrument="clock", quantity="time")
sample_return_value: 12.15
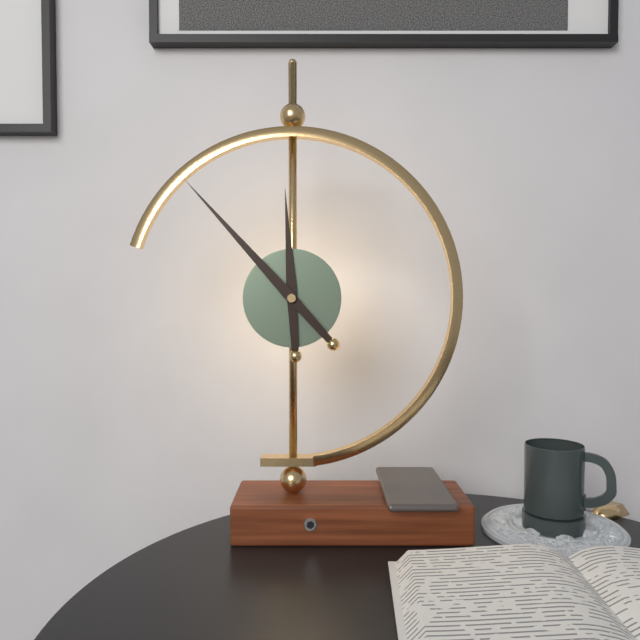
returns 11.53
